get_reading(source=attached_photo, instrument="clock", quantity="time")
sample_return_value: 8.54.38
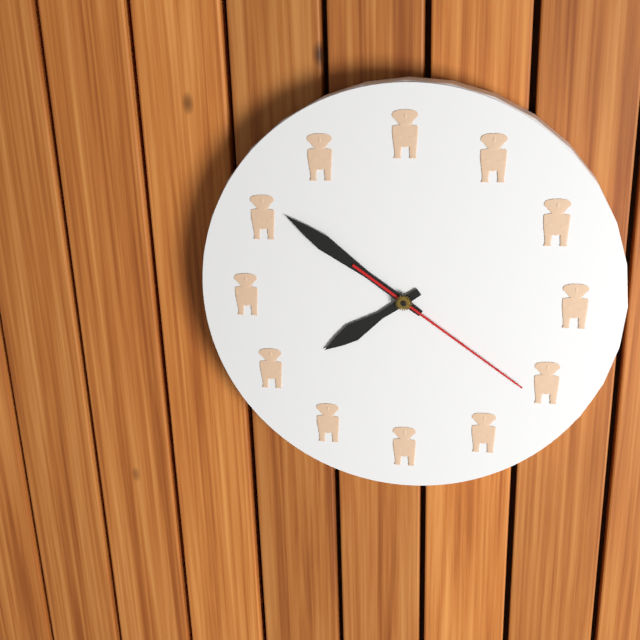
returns 7.51.21
